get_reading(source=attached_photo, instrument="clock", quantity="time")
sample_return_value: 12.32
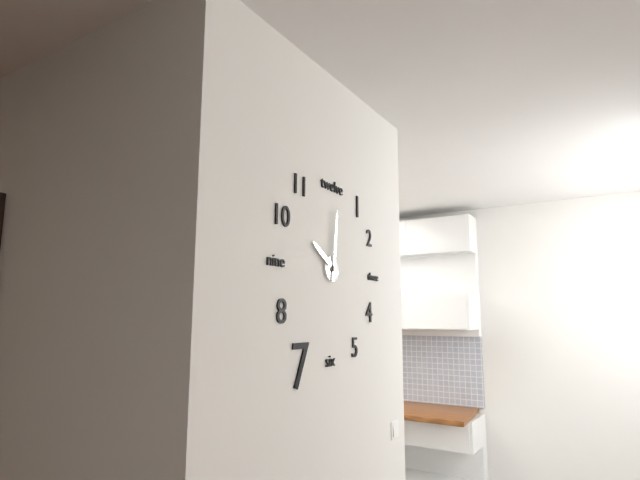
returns 10.01
